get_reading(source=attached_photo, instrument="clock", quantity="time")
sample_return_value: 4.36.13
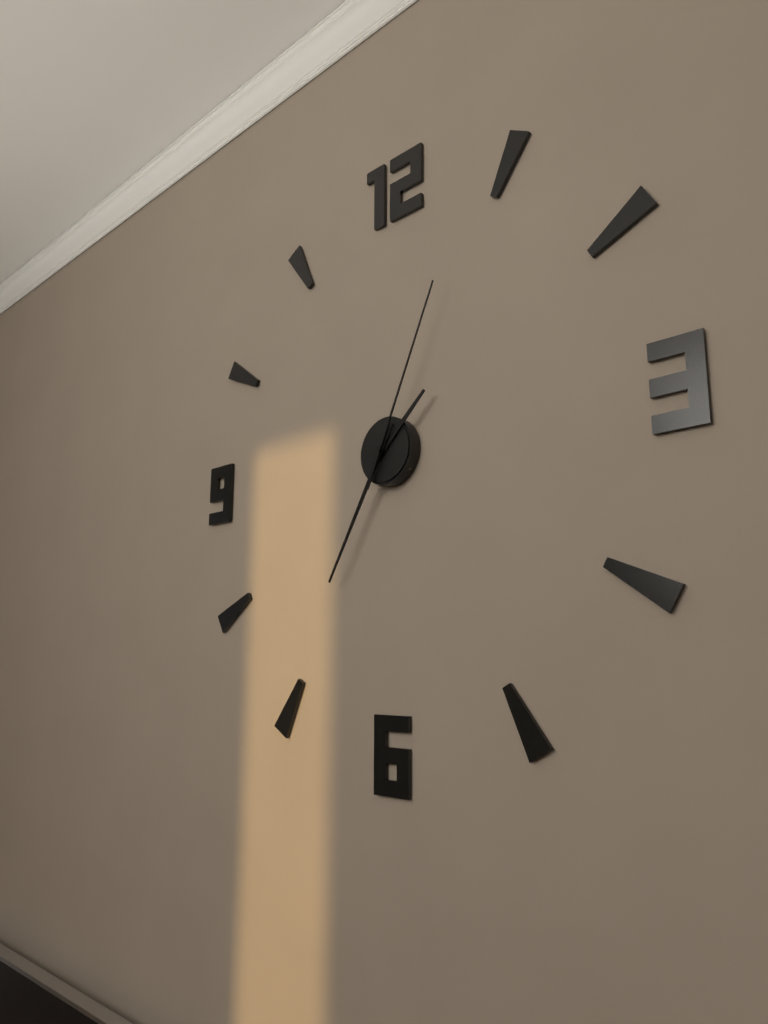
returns 1.35.04
